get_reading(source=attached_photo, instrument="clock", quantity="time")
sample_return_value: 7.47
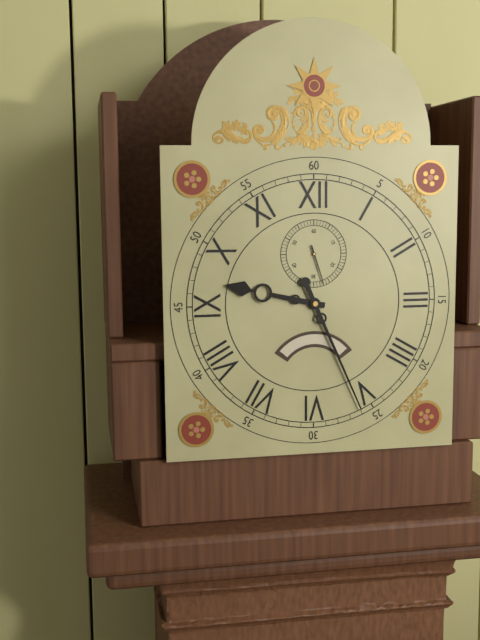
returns 9.26
